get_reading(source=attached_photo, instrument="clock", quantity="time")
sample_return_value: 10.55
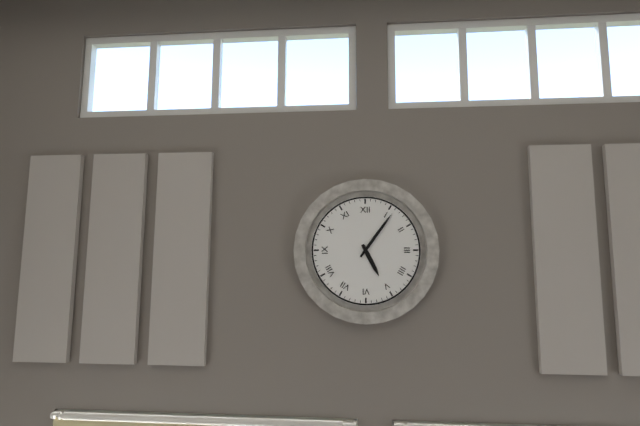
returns 5.06
